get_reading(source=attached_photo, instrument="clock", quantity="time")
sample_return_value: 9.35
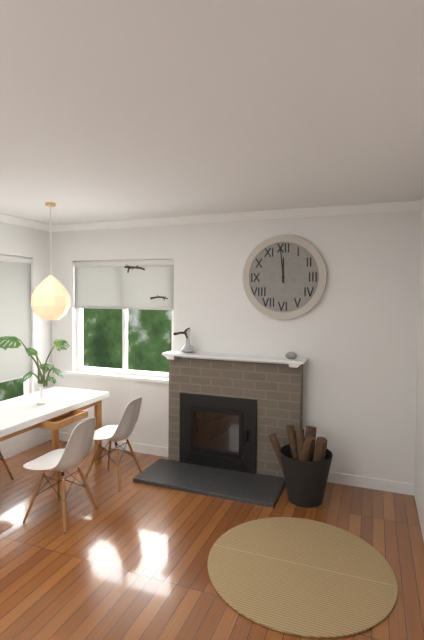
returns 11.59
